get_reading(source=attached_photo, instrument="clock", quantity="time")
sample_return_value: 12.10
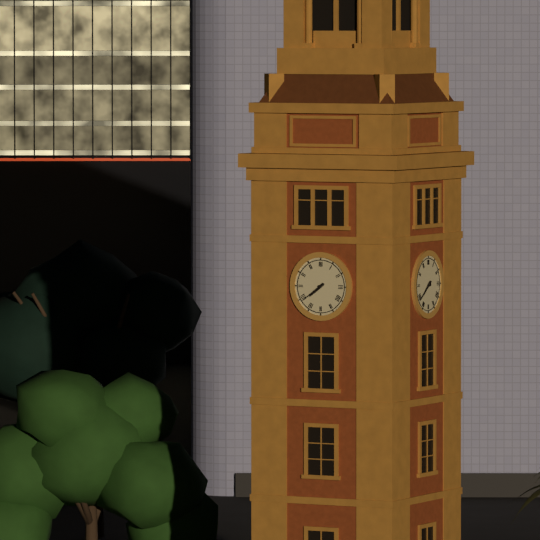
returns 7.39
